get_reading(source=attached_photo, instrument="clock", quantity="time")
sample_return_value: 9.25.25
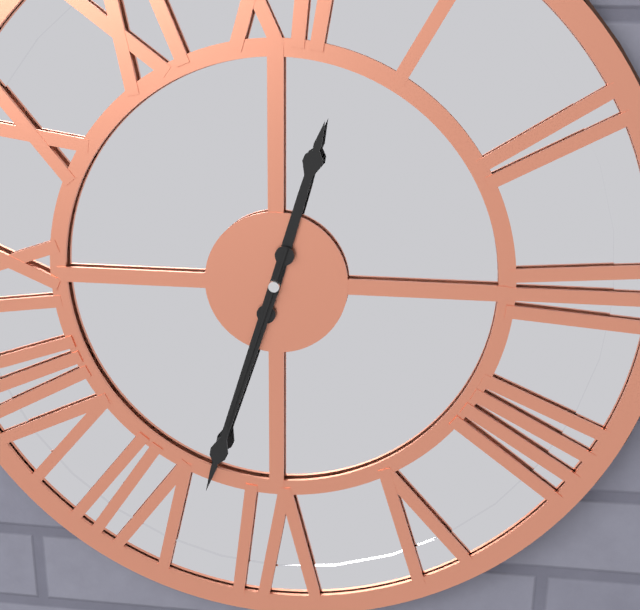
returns 12.33.33
